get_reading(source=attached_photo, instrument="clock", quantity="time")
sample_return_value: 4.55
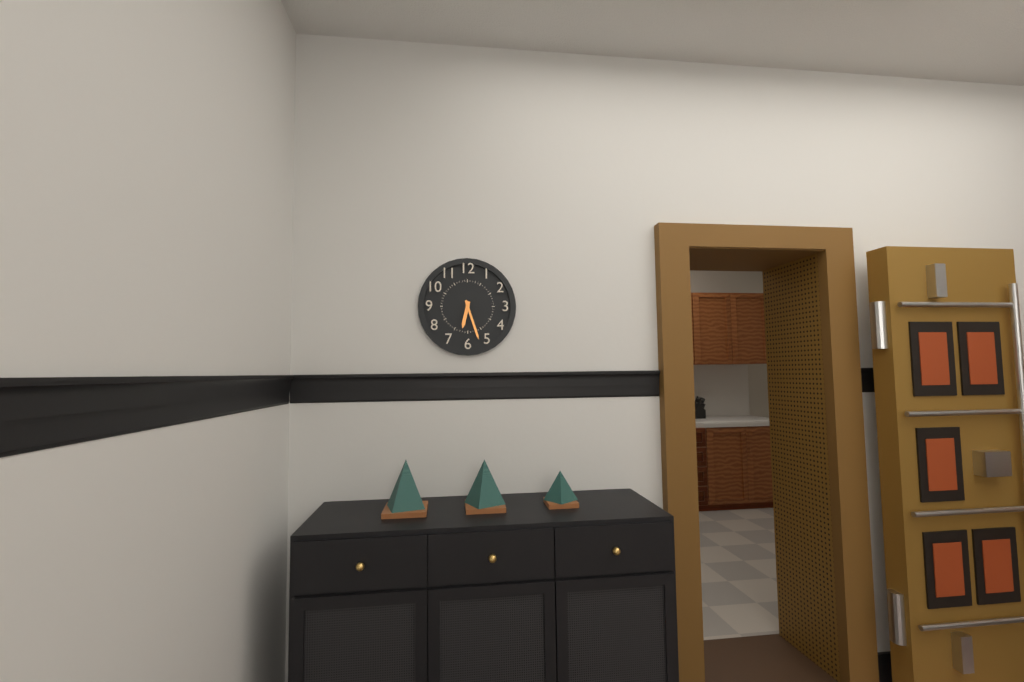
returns 6.27
